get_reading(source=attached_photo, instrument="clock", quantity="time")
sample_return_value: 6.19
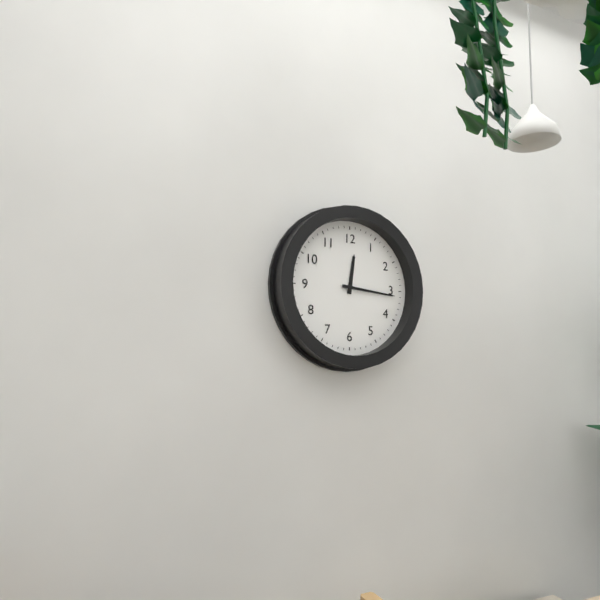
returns 12.16
